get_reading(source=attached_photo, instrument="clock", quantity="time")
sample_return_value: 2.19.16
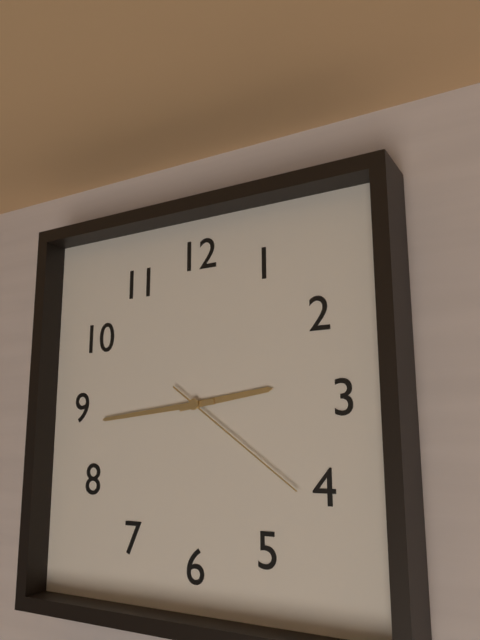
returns 2.44.21
